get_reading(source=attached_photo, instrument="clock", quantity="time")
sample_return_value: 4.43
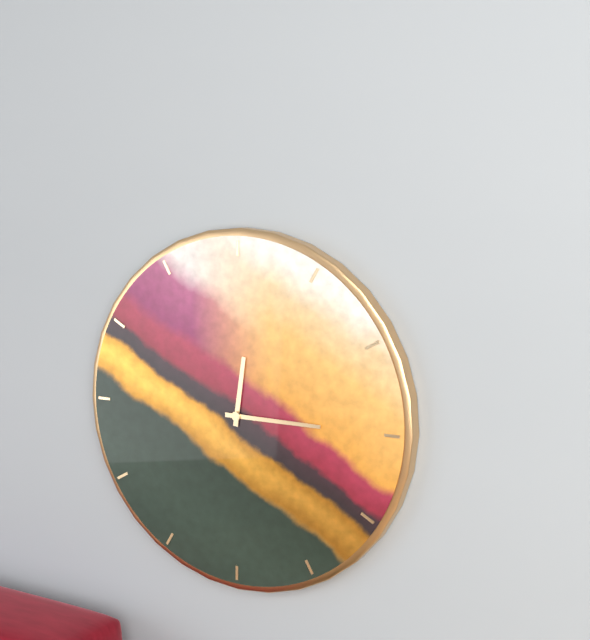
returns 12.15
